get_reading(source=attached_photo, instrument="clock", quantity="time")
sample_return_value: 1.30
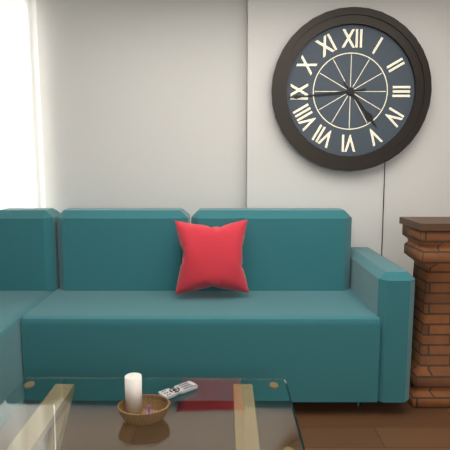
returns 4.44
